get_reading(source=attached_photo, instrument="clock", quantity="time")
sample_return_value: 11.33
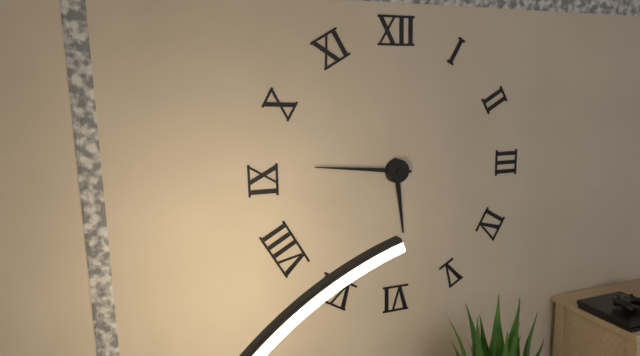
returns 5.46
